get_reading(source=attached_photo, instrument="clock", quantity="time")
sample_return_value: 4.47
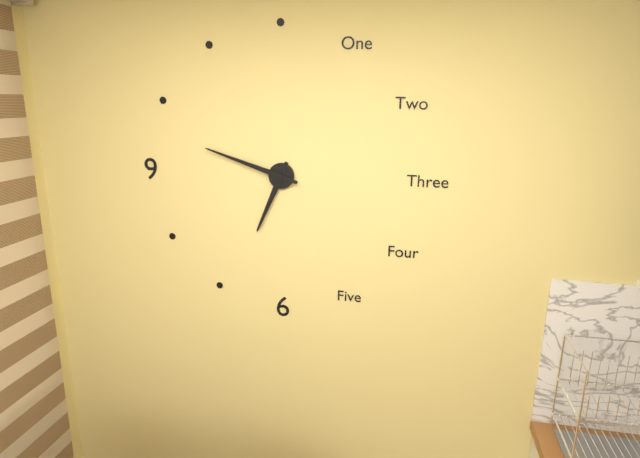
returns 6.48
